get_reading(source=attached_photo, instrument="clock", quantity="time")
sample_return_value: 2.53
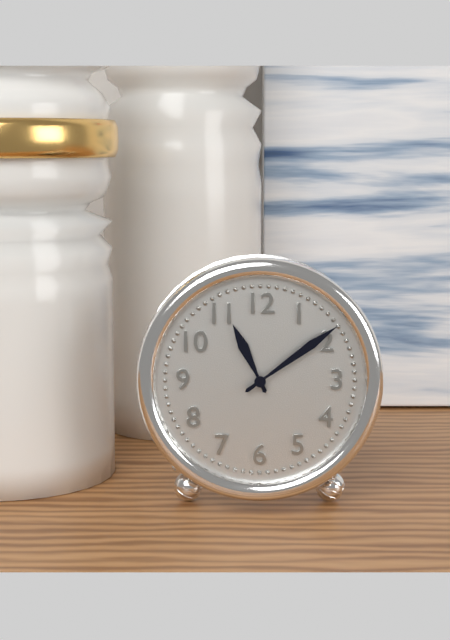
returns 11.09
